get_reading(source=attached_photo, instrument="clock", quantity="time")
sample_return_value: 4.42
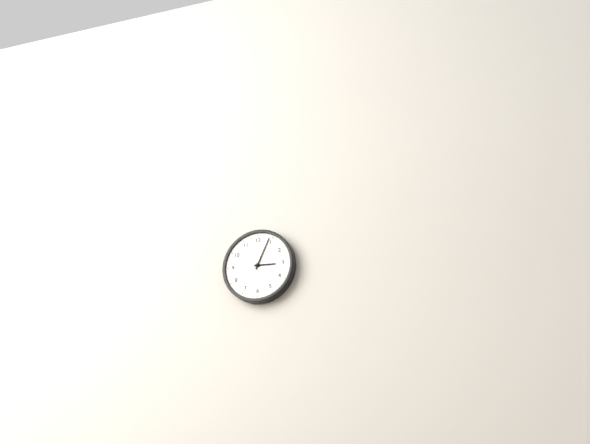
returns 3.04
